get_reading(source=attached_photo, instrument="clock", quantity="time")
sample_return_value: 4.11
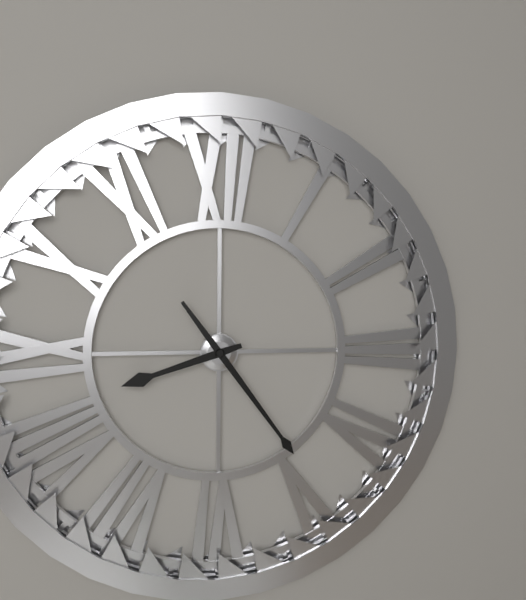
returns 8.24
